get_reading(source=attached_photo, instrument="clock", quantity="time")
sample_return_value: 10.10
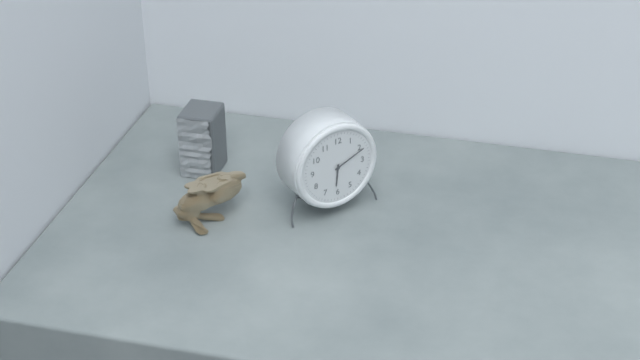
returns 6.11
